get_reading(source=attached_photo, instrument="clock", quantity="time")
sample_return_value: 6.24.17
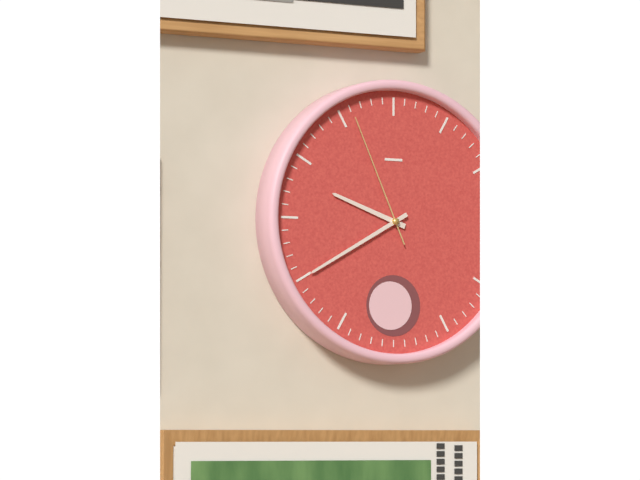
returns 9.40.56
